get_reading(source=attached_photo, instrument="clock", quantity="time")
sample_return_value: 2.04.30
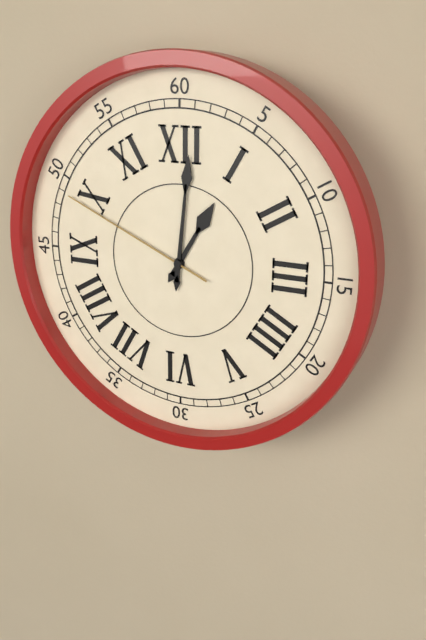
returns 1.01.49
